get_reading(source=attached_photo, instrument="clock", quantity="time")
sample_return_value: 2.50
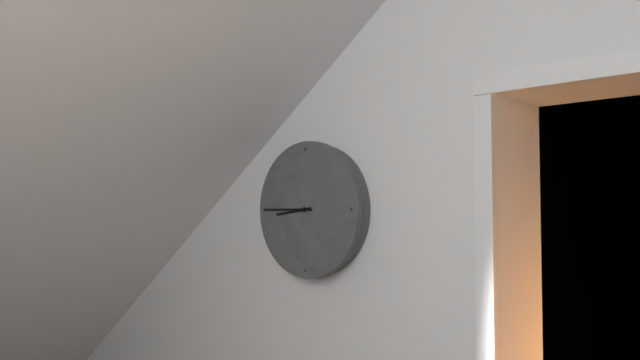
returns 8.45
